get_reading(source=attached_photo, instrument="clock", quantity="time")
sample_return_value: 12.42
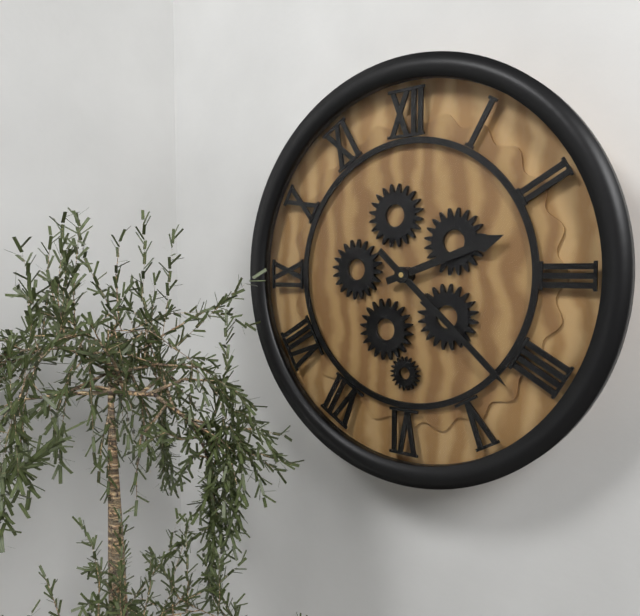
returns 2.22
